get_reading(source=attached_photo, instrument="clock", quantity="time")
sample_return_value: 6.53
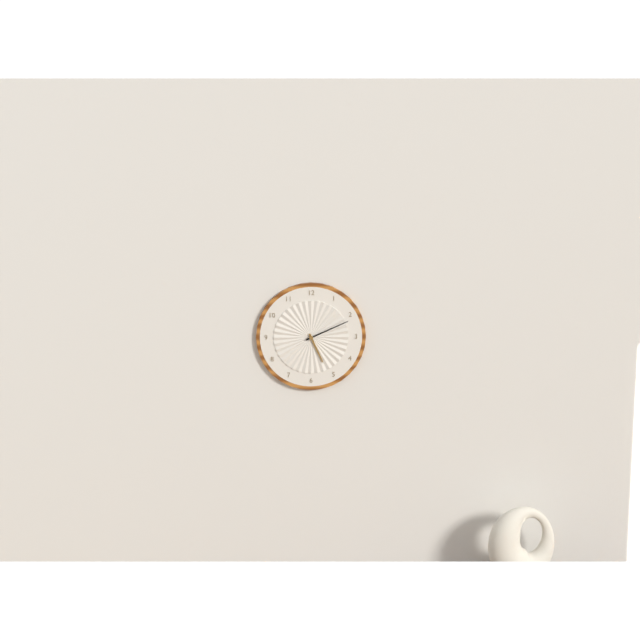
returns 5.11
